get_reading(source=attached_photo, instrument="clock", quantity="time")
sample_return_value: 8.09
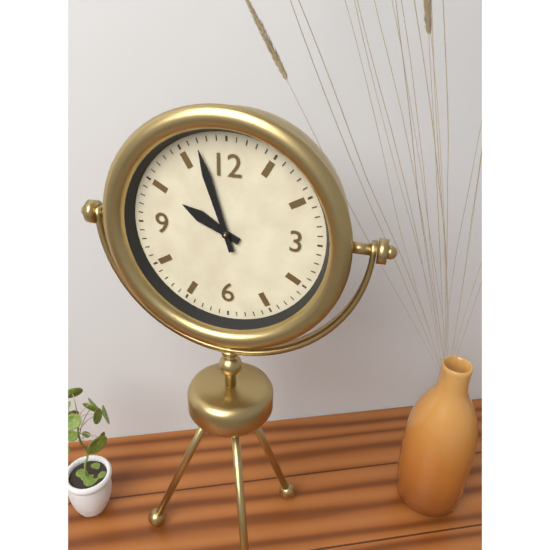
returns 9.57
